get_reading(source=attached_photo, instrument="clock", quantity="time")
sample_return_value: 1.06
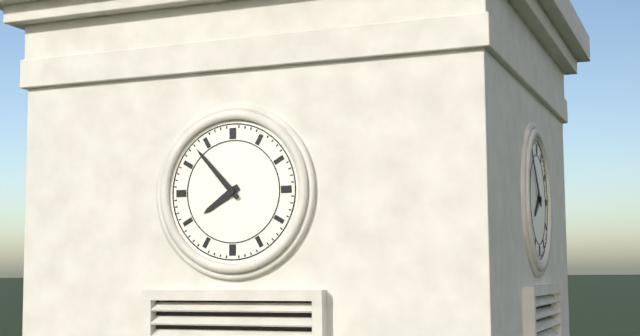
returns 7.53
